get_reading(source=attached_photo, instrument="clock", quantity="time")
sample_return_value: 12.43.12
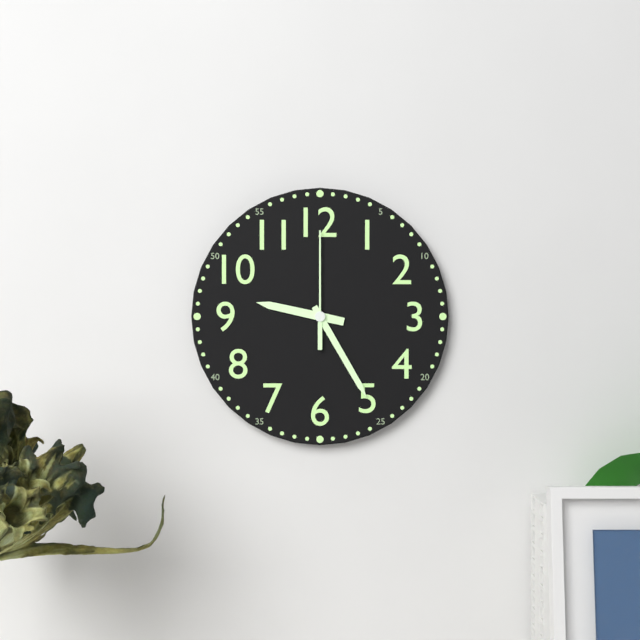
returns 9.25.00
